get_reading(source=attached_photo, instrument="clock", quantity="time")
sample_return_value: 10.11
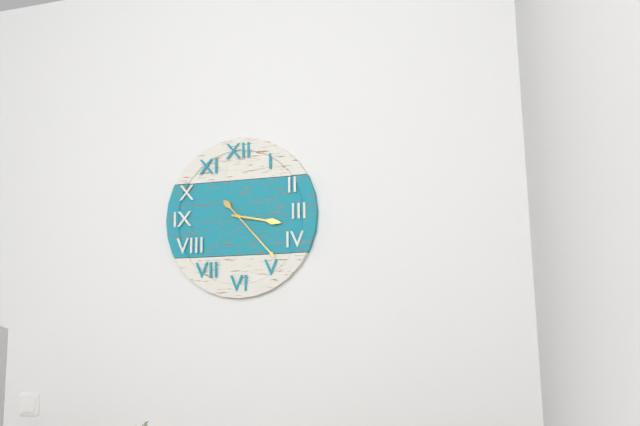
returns 3.23
